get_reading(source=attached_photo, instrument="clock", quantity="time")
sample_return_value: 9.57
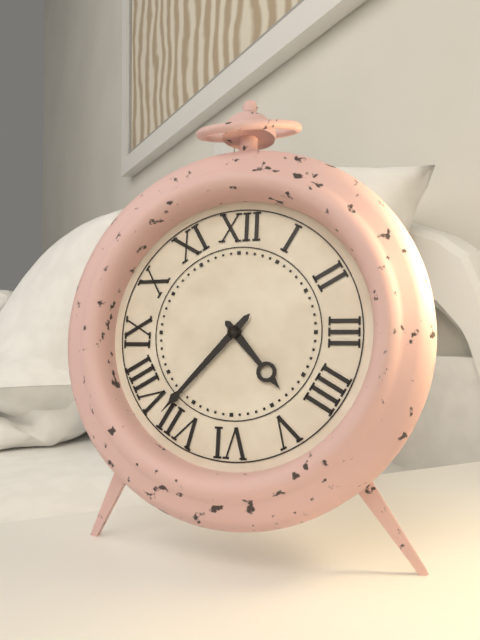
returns 4.37
